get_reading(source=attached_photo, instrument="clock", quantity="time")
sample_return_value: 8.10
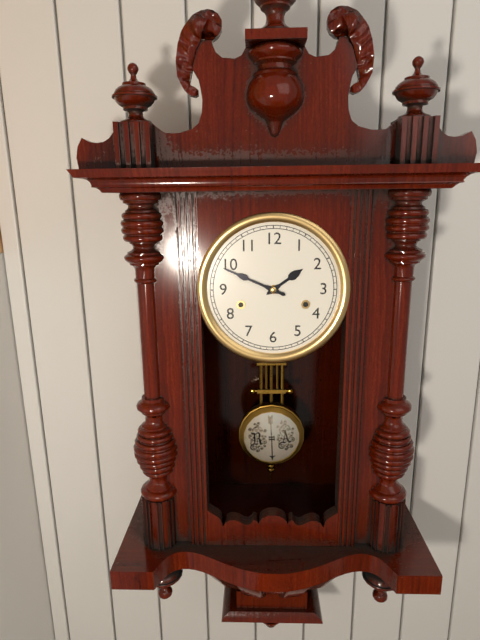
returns 1.49
